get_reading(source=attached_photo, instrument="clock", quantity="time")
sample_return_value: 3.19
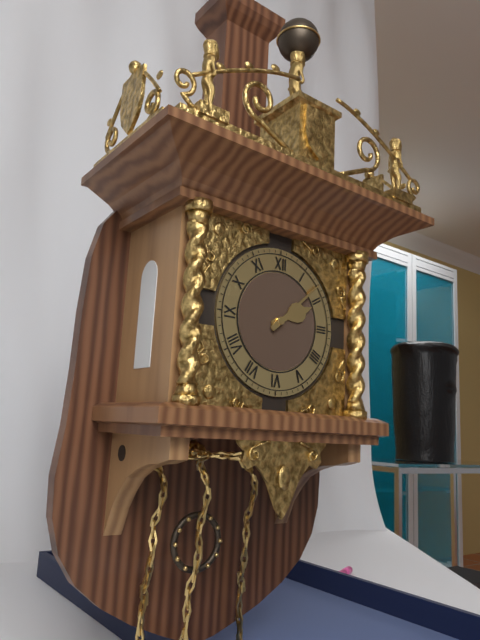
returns 2.08
